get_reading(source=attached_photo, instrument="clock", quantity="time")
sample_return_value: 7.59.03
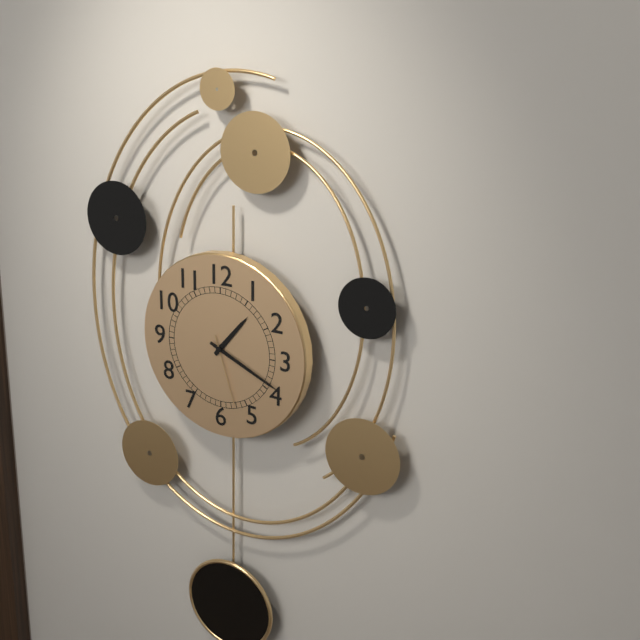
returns 1.19.27
